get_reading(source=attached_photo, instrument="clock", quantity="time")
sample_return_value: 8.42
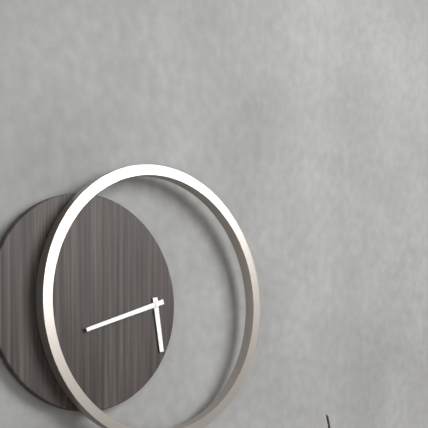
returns 5.42
